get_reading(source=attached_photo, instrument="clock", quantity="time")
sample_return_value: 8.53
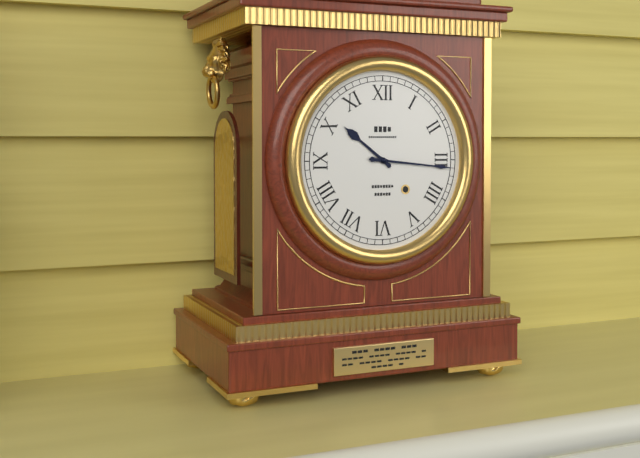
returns 10.16
